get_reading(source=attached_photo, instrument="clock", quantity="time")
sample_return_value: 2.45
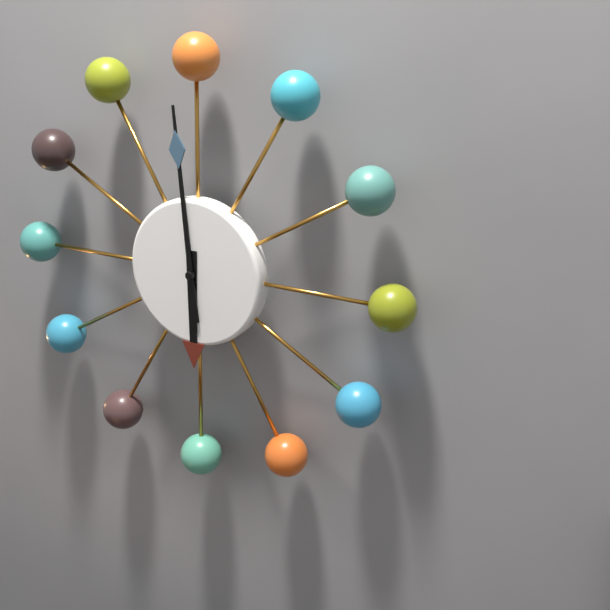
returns 5.59
